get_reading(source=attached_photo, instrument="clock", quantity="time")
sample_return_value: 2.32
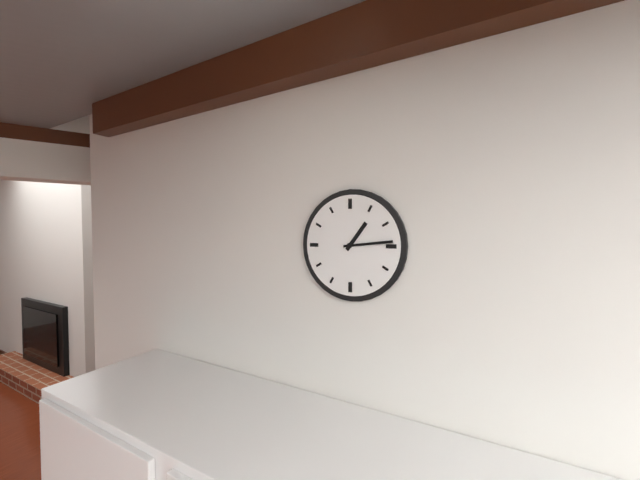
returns 1.14
